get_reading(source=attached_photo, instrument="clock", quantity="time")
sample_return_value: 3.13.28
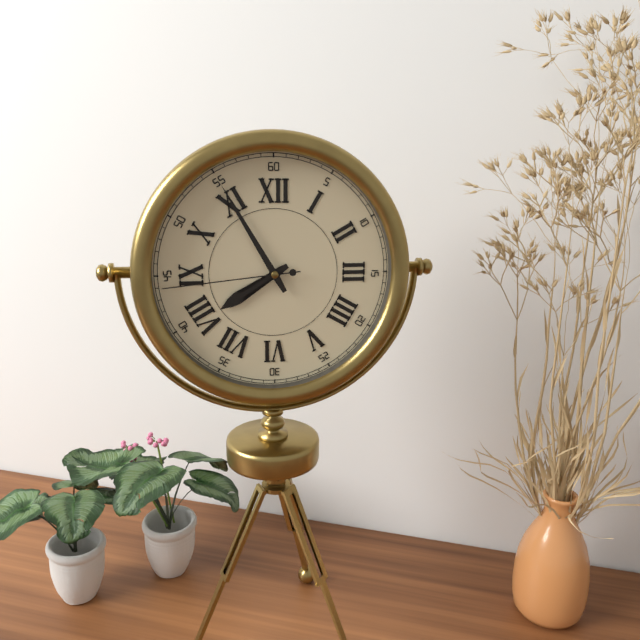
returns 7.55.44
